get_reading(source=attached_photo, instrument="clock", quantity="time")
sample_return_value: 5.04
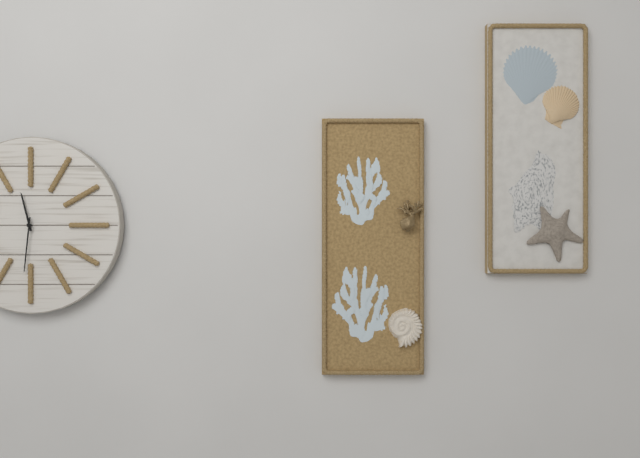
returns 11.31
